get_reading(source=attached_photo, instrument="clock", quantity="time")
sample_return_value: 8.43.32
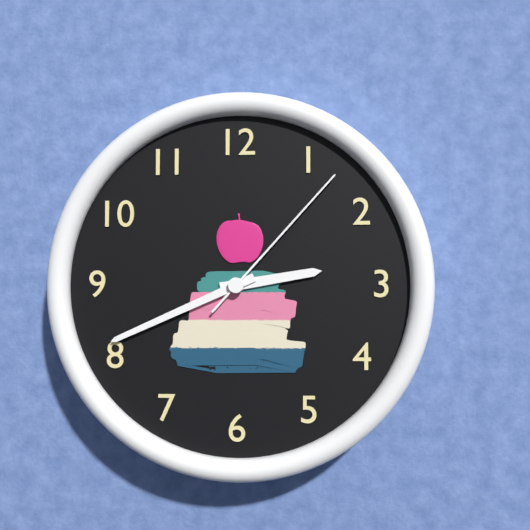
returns 2.41.07
